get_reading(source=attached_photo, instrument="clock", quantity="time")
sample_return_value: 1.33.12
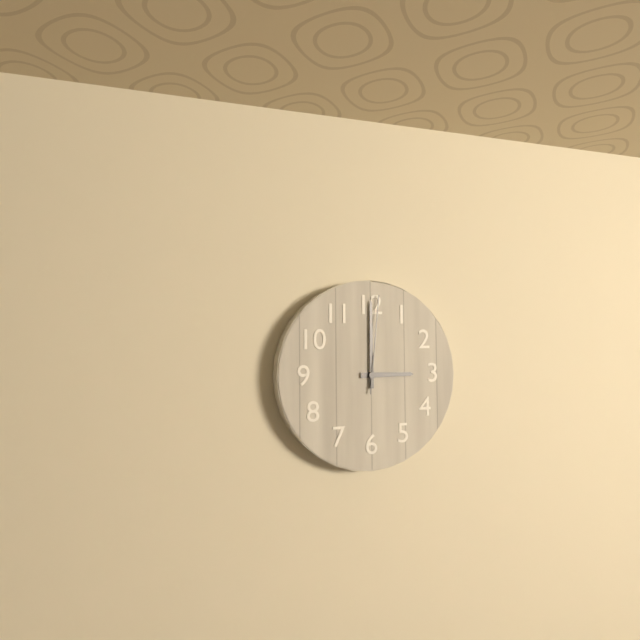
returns 3.00.01
